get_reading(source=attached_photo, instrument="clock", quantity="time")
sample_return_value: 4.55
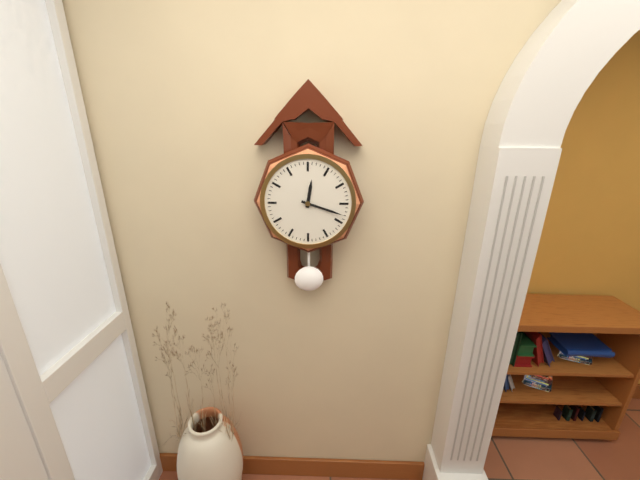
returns 12.18
